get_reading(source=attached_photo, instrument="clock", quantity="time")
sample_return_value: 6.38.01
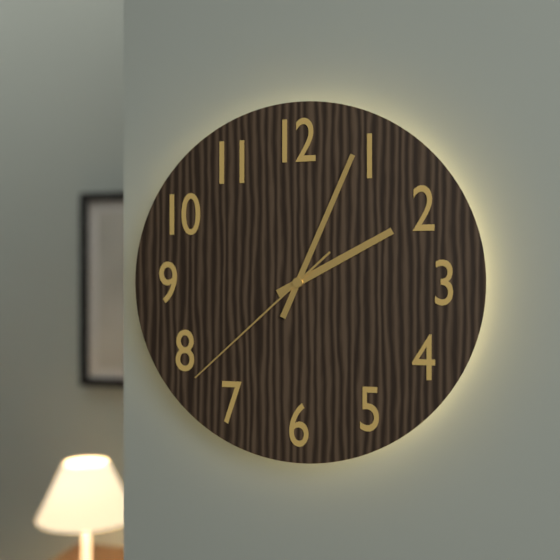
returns 2.04.38
